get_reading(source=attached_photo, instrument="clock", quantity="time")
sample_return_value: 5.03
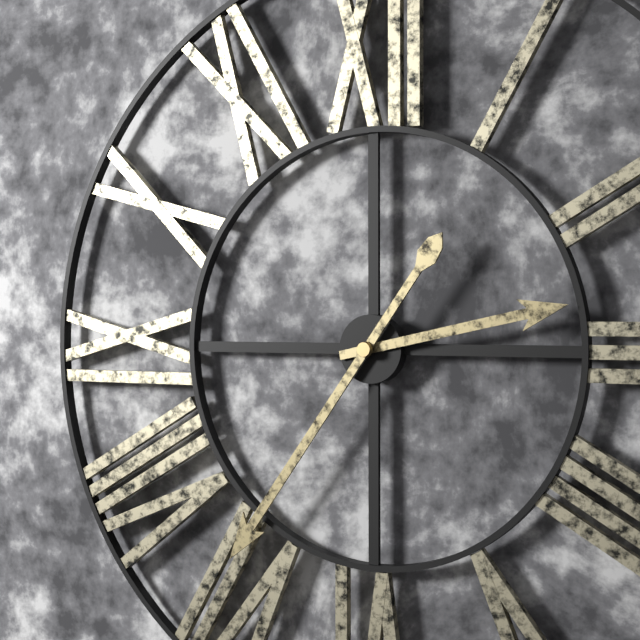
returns 2.36
